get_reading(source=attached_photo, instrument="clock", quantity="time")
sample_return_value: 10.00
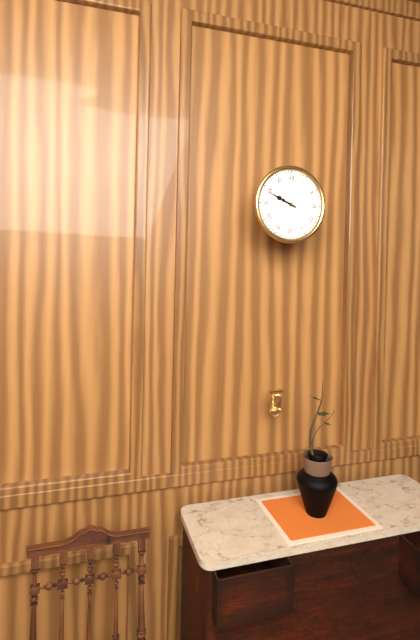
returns 9.49
